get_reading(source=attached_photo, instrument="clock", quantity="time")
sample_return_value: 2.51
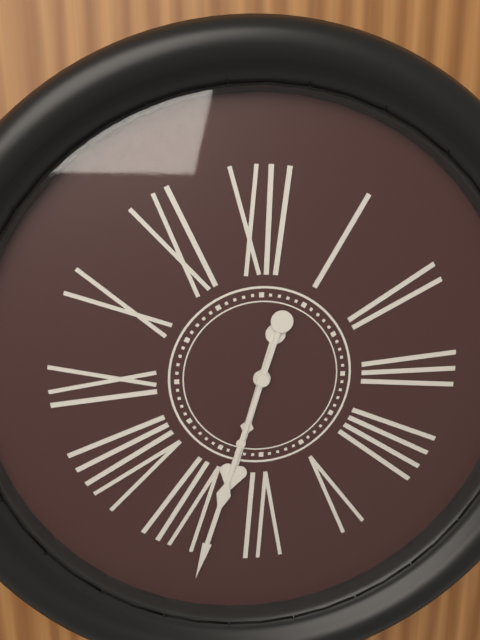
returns 6.33
